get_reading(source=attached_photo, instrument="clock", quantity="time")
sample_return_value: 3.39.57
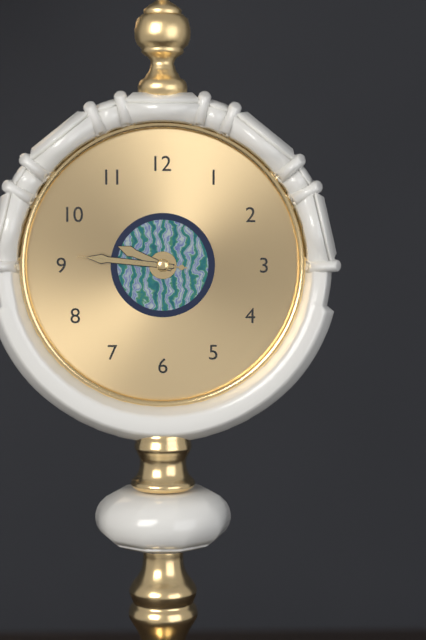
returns 9.46.46
